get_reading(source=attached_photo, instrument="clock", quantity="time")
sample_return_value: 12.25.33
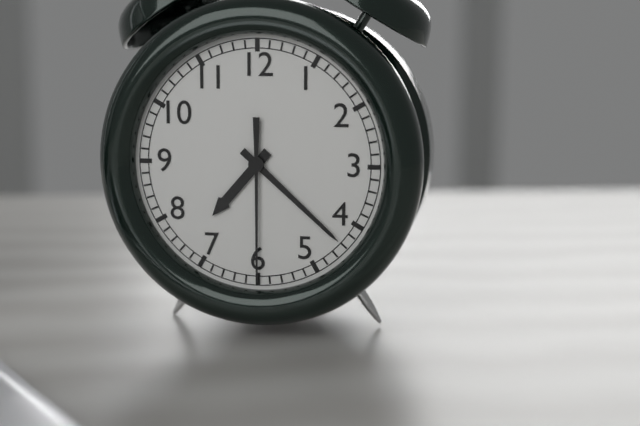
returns 7.22.30
